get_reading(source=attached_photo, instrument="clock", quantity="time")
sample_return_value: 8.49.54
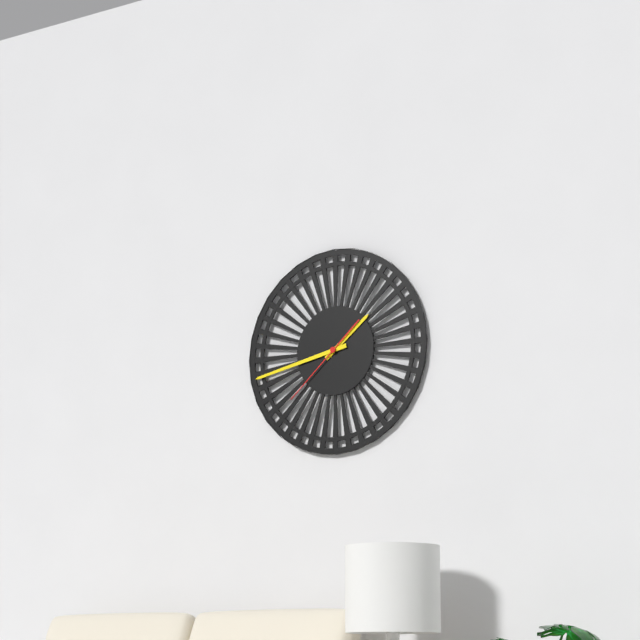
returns 1.43.38
